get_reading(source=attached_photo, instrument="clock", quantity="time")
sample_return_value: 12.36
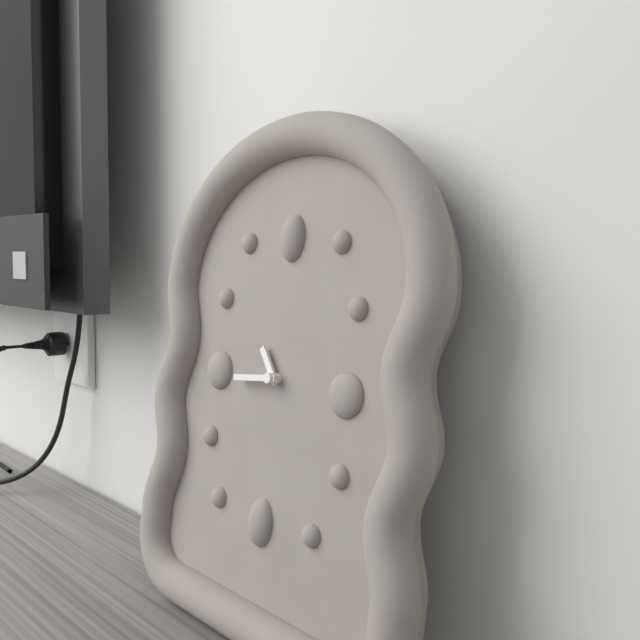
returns 10.44
